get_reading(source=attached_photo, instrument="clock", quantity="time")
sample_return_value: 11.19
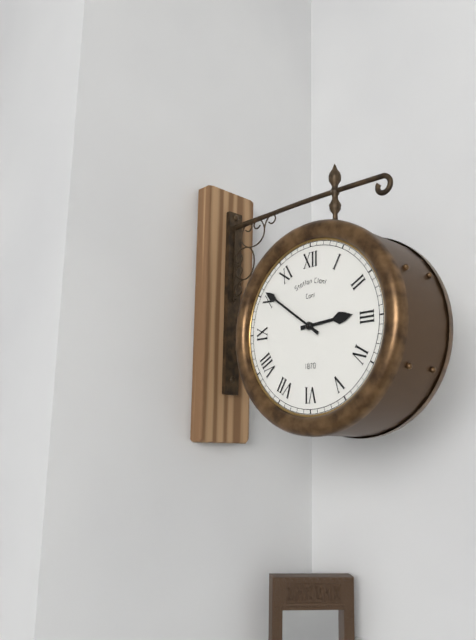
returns 2.51
